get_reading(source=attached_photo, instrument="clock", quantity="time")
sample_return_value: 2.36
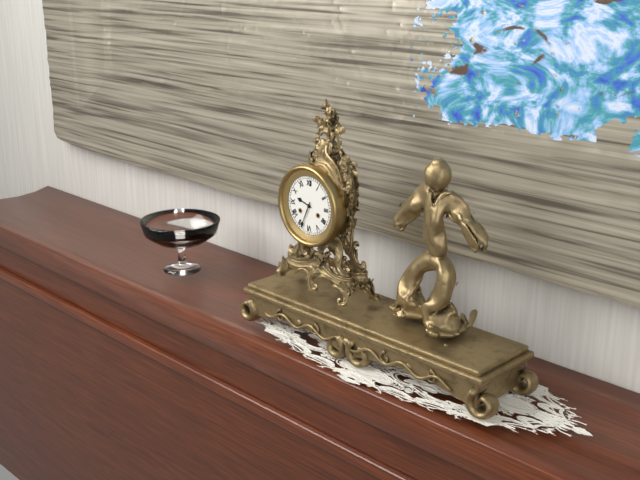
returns 9.34
